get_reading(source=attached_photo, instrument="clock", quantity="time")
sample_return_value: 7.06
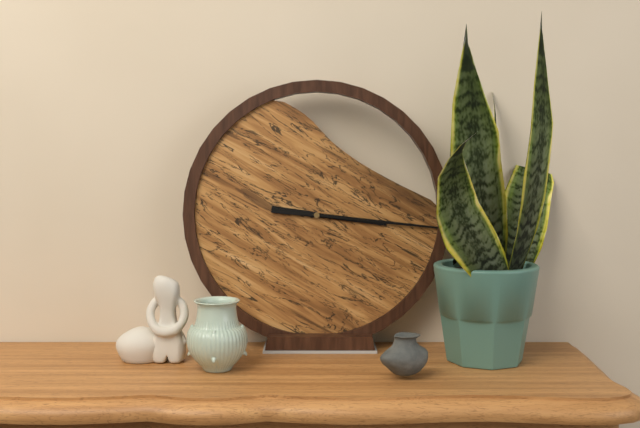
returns 3.16
